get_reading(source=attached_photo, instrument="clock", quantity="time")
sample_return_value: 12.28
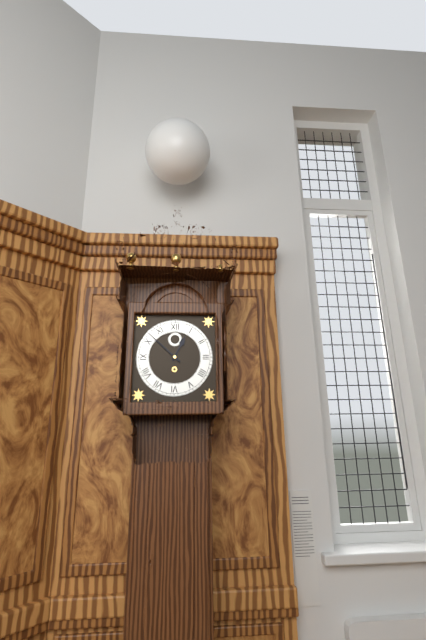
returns 12.52
